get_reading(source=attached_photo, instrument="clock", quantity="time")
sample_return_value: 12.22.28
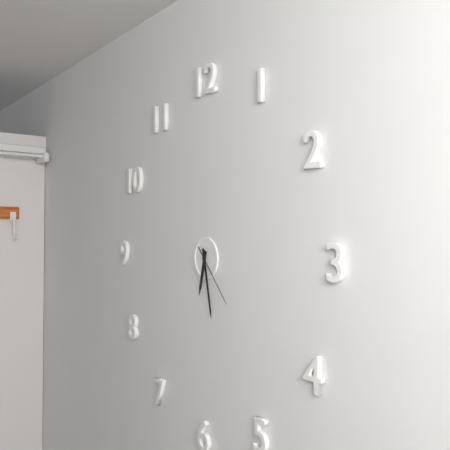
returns 6.28.23
